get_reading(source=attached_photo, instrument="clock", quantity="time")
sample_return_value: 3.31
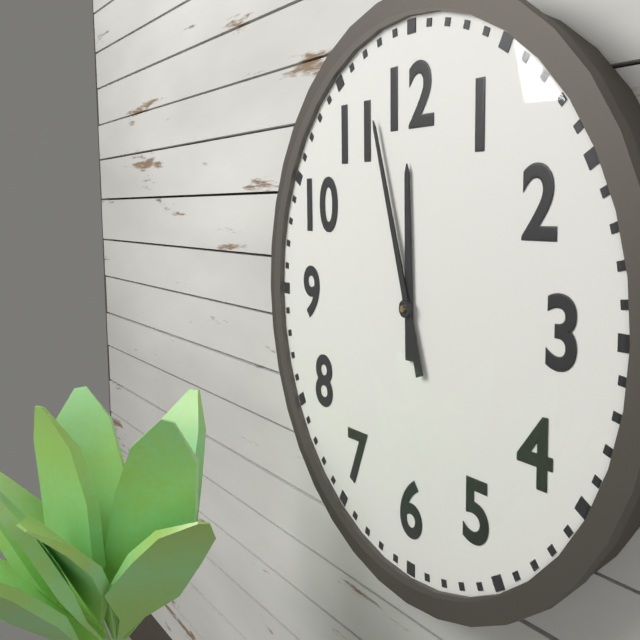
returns 11.57
